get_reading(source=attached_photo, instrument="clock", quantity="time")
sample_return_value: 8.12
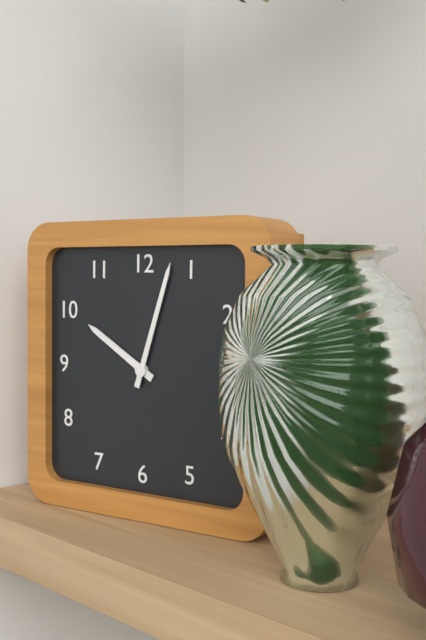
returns 10.03
